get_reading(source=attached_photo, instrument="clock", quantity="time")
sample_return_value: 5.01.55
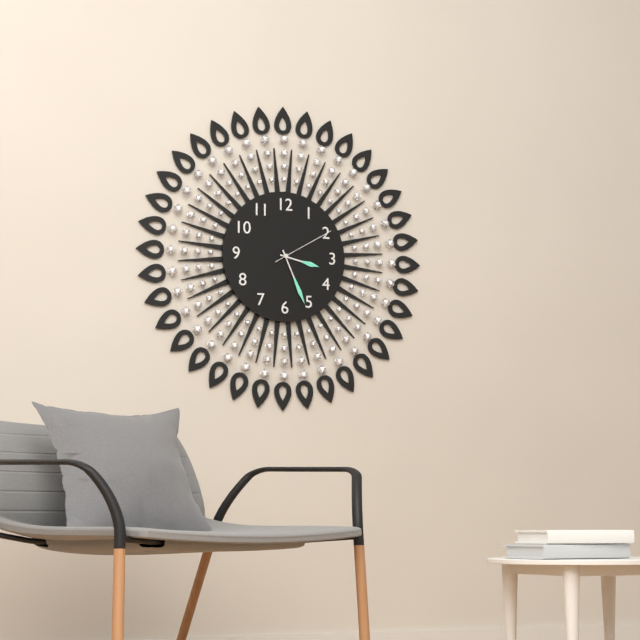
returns 3.26.10
